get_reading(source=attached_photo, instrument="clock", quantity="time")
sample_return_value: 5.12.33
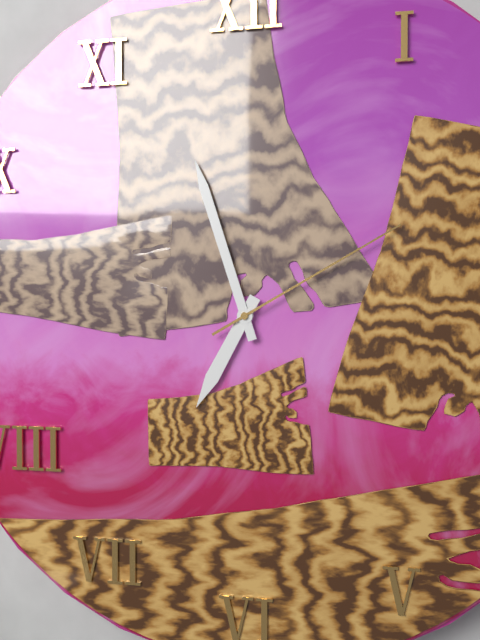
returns 6.57.10
